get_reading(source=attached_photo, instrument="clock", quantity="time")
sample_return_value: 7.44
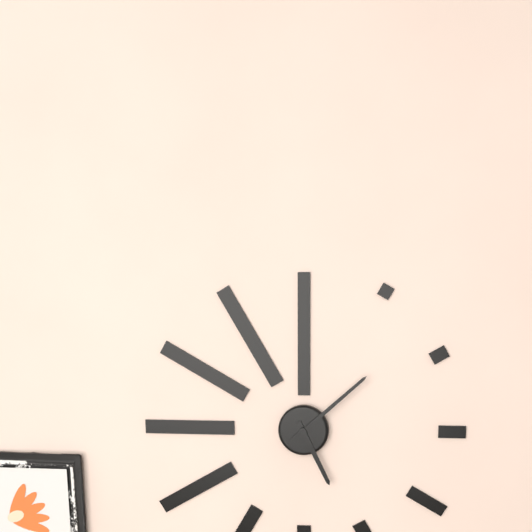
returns 5.08
